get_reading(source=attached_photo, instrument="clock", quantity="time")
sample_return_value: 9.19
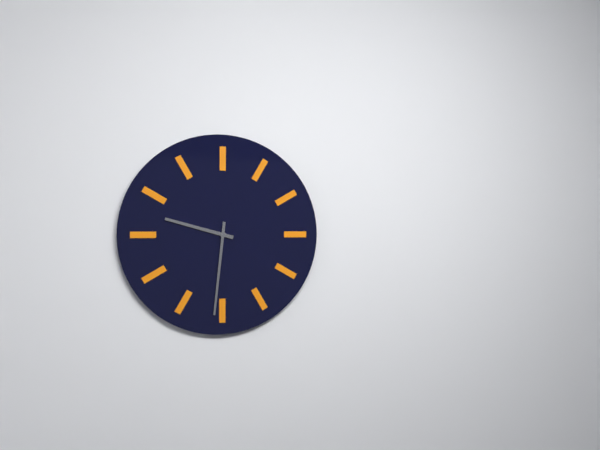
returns 9.31
